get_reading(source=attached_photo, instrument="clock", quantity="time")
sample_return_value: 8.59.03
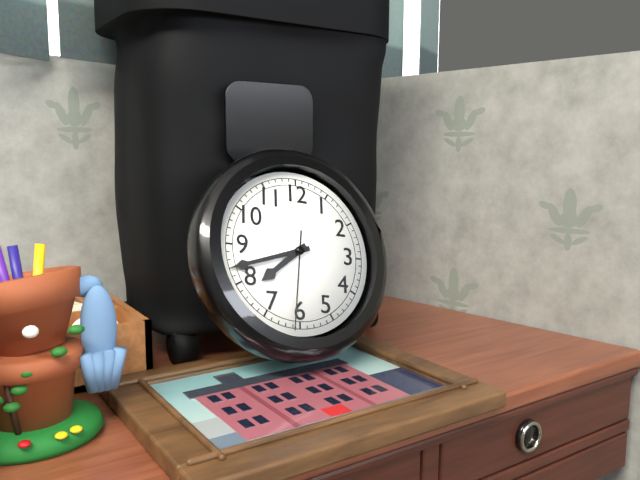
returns 7.42.31
